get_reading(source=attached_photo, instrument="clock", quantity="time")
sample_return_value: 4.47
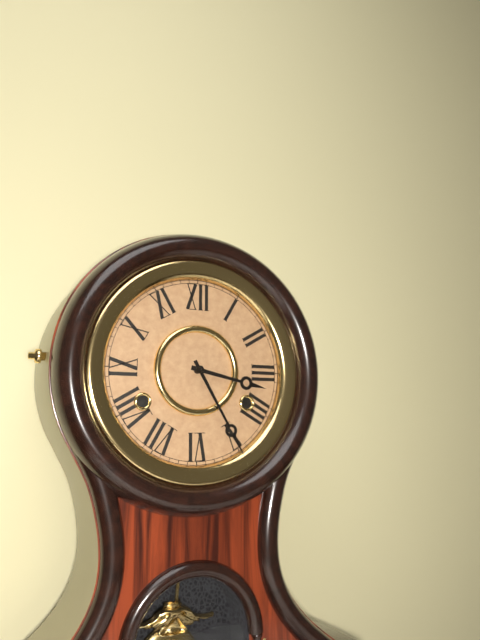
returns 3.25
